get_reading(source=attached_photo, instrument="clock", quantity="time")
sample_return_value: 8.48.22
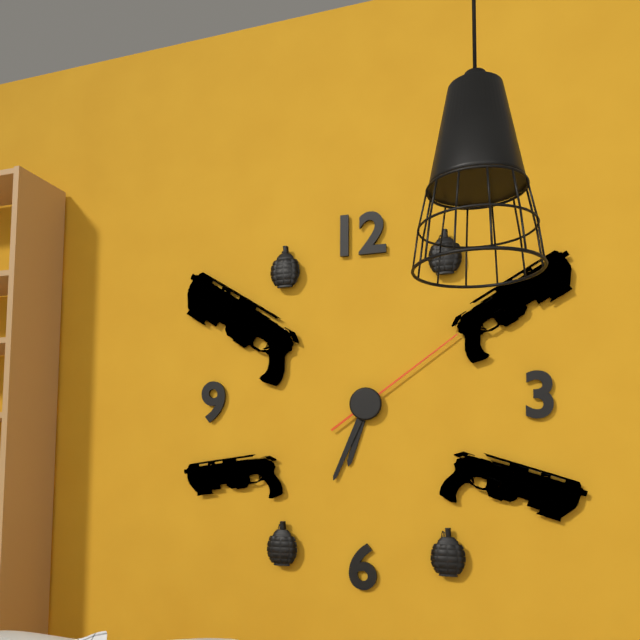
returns 6.34.09
